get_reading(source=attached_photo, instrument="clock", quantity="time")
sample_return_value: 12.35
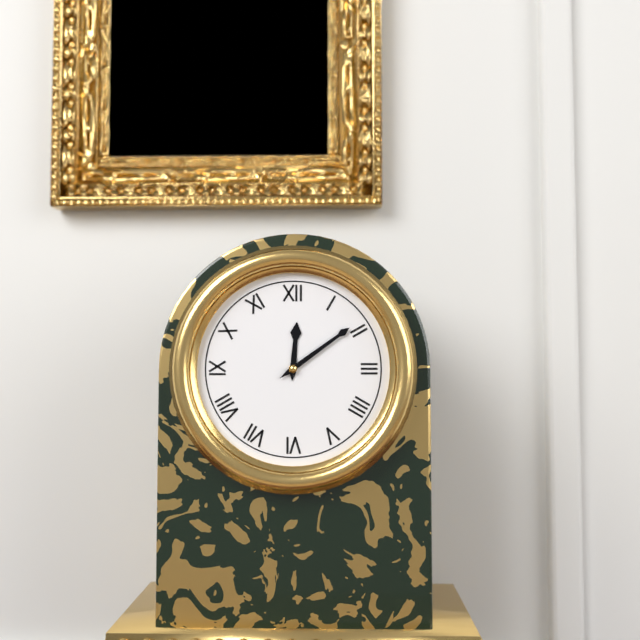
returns 12.09
